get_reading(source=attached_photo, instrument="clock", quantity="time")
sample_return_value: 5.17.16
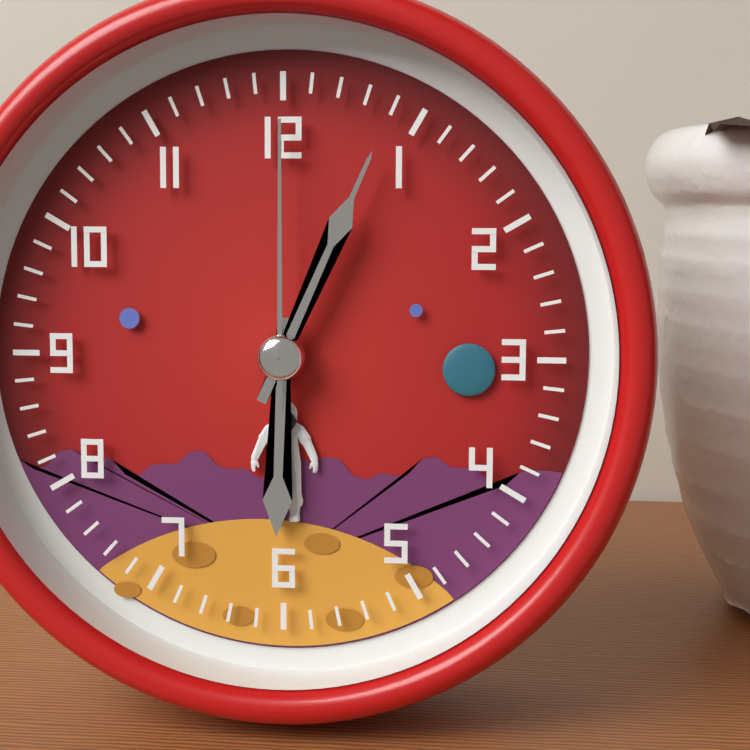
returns 6.04.00
